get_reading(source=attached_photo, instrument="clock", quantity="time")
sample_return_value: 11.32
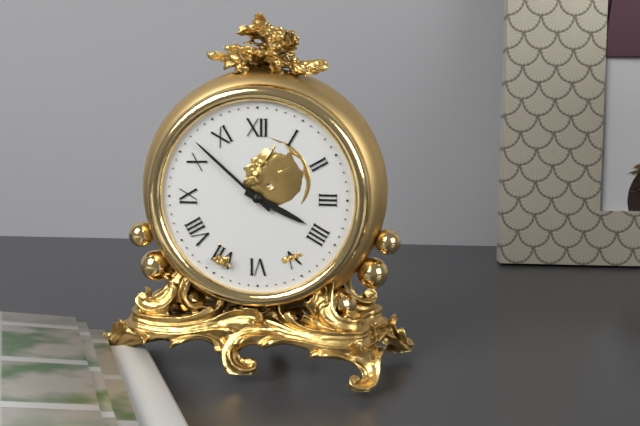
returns 3.52
